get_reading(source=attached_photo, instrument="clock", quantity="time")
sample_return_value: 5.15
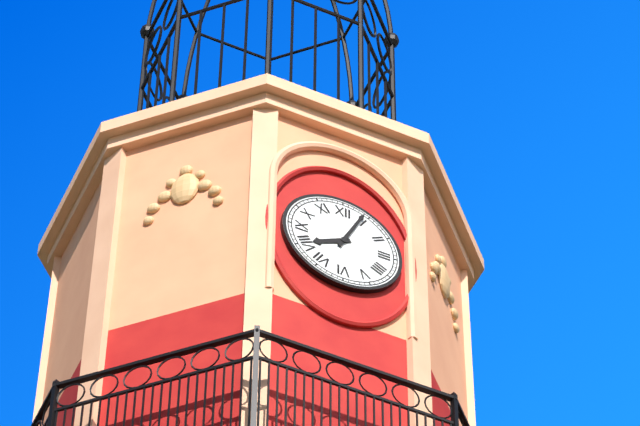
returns 8.04
